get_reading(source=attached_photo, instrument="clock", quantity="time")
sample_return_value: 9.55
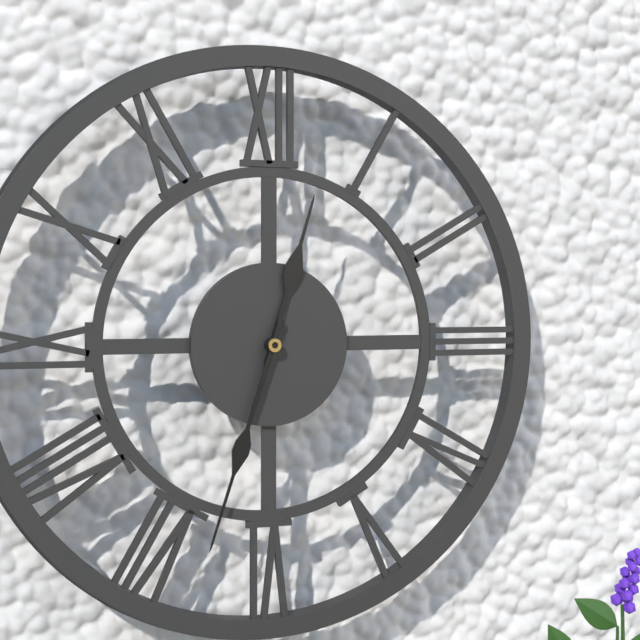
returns 12.33
